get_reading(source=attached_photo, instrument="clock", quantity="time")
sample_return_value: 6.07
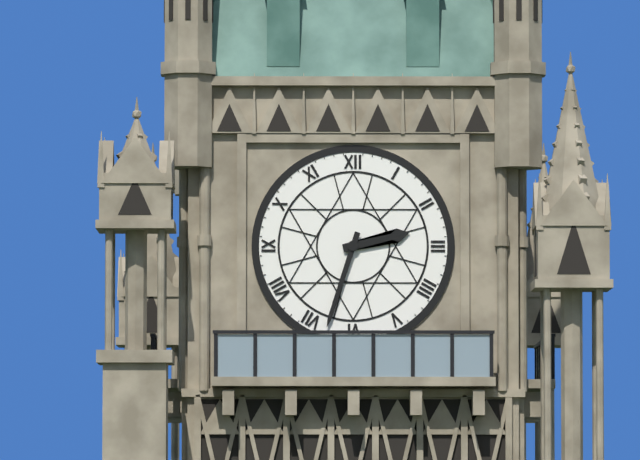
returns 2.33
